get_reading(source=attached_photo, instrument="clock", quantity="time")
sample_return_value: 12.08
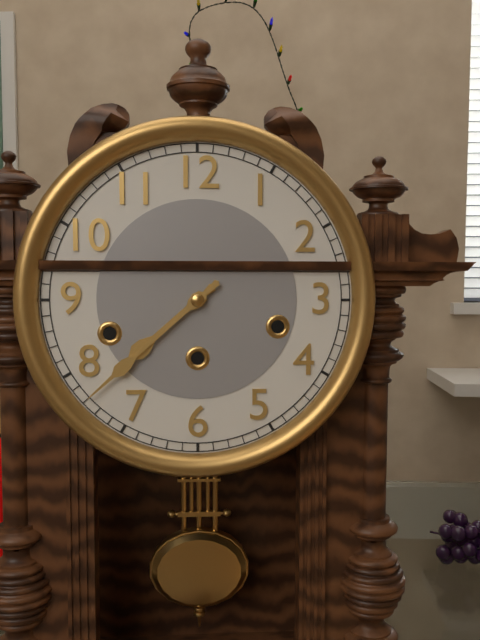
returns 7.38
